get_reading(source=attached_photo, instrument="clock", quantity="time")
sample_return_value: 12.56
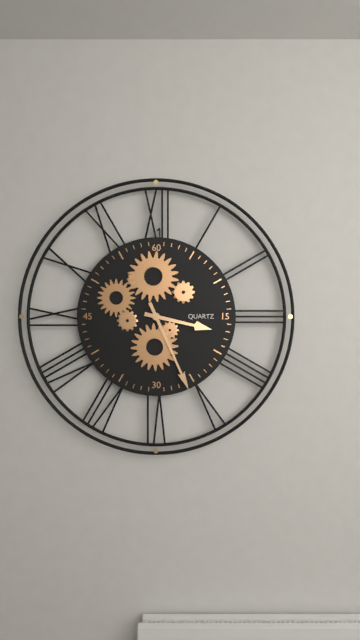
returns 3.26
